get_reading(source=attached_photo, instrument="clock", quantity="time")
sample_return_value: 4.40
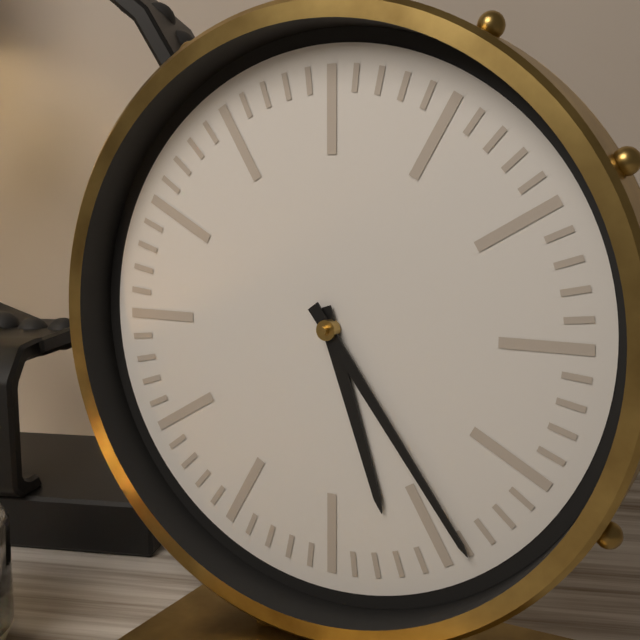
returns 5.24
